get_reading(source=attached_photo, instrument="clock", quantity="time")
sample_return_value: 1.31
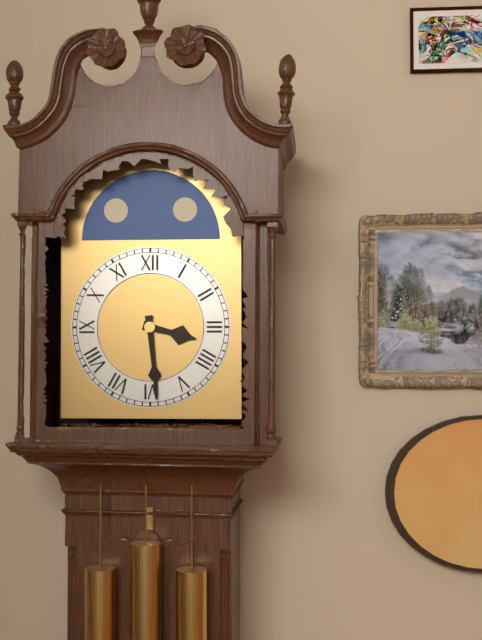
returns 3.29
